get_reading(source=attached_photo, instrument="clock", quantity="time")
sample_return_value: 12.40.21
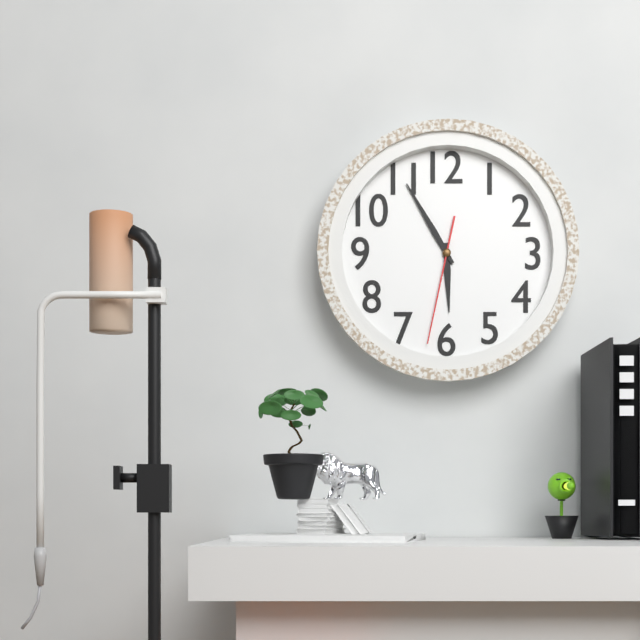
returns 5.55.32
